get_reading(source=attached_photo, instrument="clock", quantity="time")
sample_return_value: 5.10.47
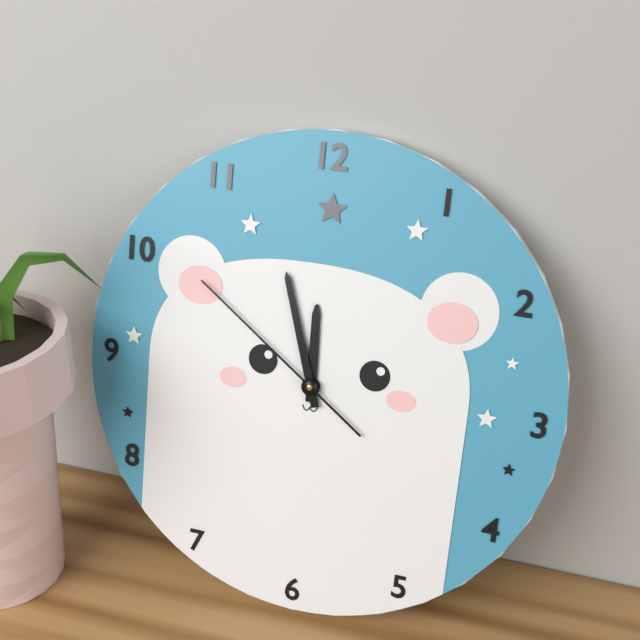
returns 11.57.51
